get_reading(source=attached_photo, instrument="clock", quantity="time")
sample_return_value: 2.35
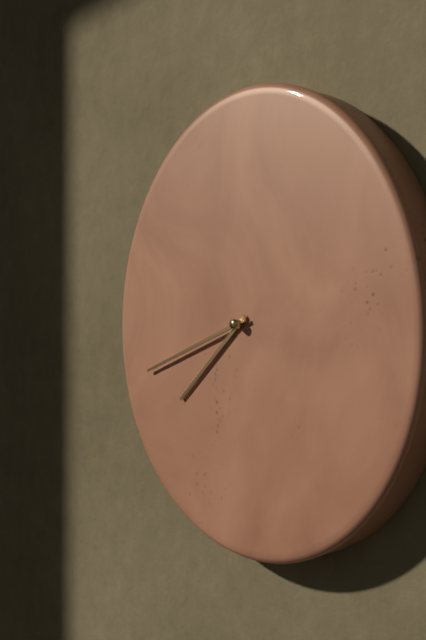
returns 7.42
